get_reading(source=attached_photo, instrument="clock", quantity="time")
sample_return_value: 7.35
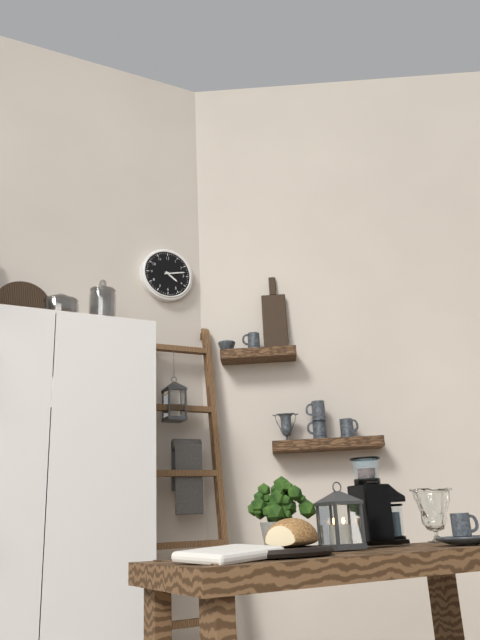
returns 4.13
